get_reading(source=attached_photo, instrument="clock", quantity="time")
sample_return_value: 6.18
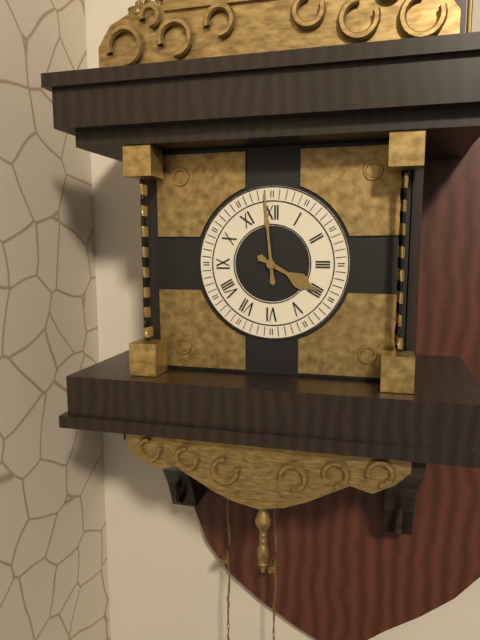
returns 3.59
